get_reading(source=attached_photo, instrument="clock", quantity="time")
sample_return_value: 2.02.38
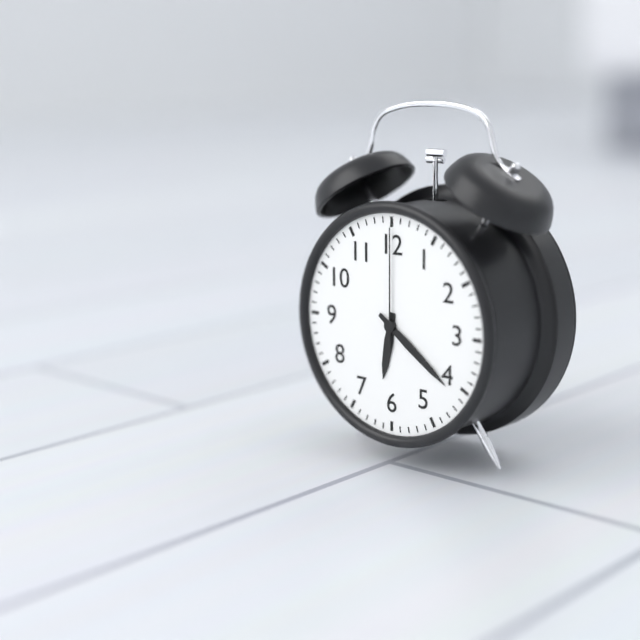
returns 6.21.00
